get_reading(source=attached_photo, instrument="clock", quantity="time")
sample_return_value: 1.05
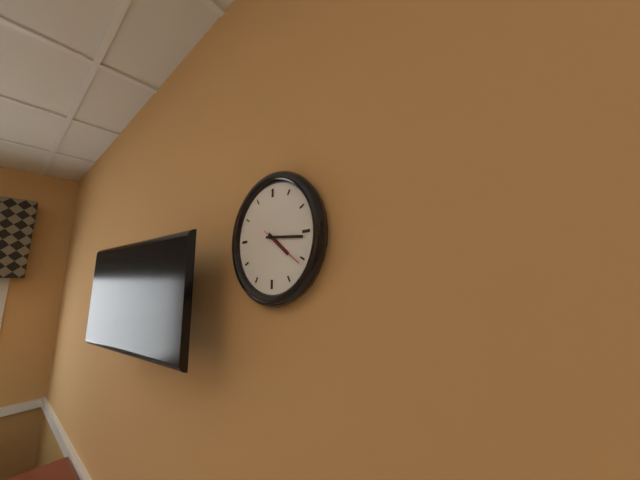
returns 4.16
